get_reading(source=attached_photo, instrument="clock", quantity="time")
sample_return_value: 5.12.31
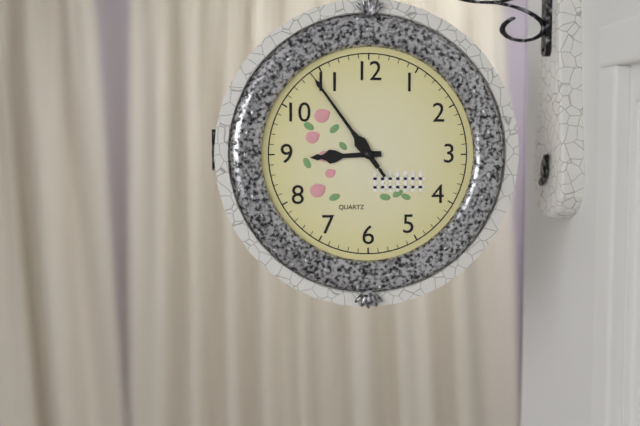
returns 8.54.54
